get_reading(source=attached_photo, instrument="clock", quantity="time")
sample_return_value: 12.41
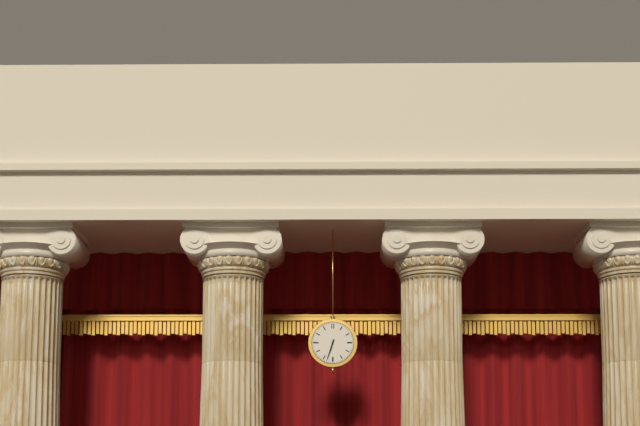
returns 6.33
